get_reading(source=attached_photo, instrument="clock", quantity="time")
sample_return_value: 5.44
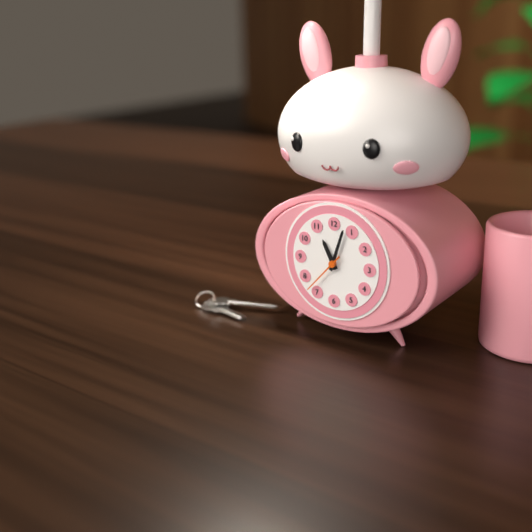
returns 11.03
